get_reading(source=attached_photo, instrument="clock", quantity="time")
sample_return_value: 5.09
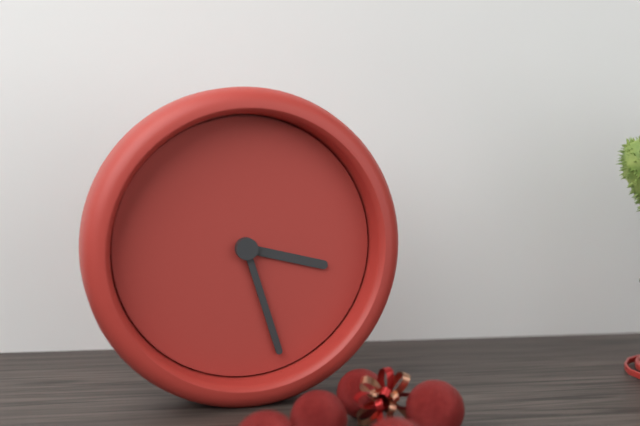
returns 3.27
